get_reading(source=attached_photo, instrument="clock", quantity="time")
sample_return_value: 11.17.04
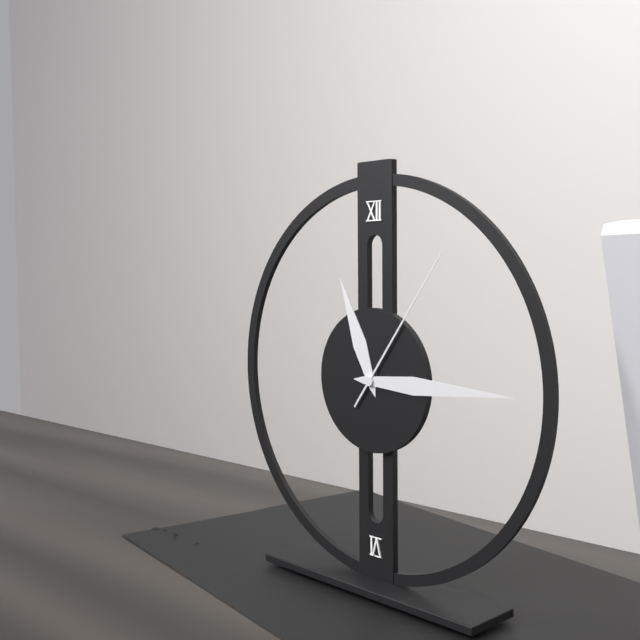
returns 11.15.06
